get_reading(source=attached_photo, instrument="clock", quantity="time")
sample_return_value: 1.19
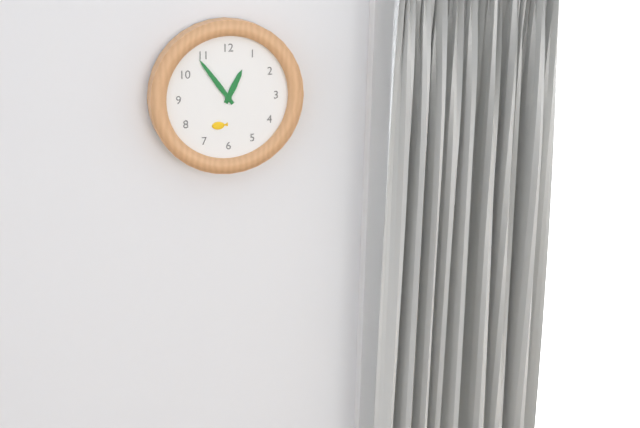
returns 12.54
